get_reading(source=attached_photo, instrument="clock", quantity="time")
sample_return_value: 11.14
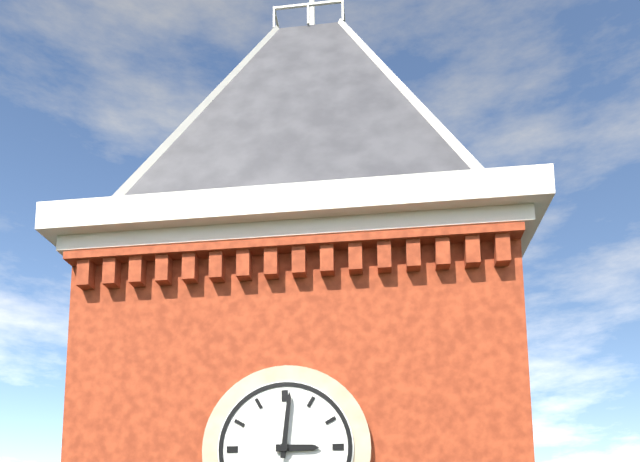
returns 3.01
